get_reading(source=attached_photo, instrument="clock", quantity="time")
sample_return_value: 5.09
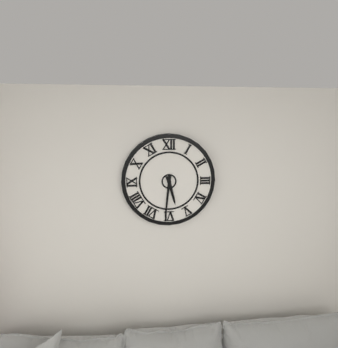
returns 5.31
